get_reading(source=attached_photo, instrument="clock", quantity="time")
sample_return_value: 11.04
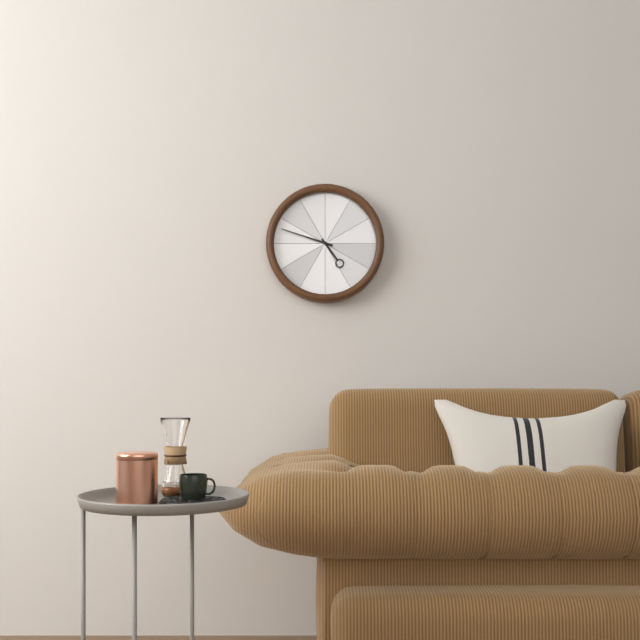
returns 4.48
